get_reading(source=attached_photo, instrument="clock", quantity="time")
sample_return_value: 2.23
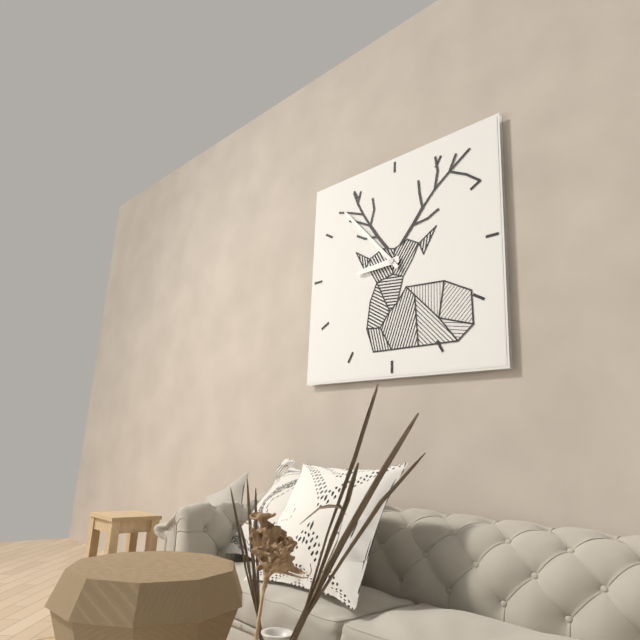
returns 8.53
